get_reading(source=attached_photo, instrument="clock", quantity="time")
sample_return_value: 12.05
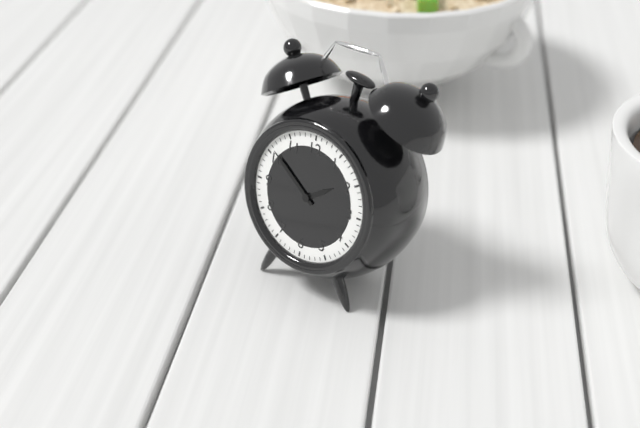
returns 1.51
